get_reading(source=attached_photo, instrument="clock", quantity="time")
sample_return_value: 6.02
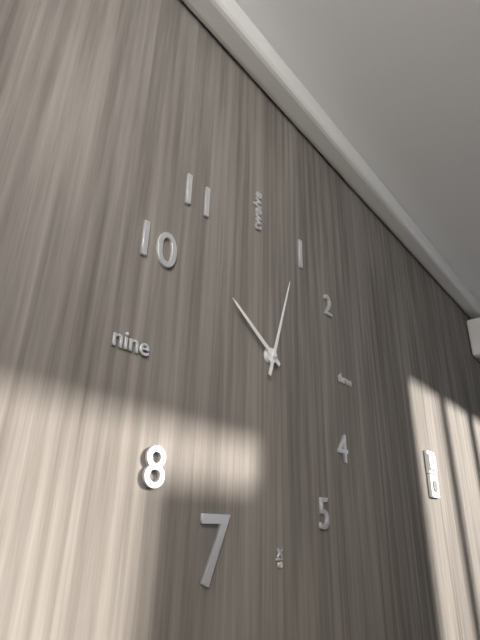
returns 10.03
